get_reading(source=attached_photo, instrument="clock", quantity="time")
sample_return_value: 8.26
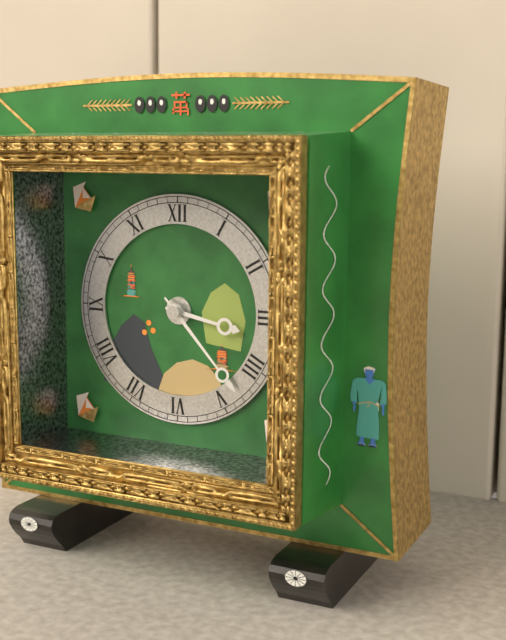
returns 3.23
